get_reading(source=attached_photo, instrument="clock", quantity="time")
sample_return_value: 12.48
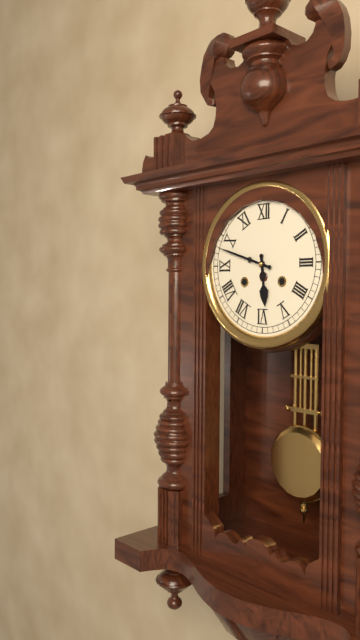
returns 5.48
